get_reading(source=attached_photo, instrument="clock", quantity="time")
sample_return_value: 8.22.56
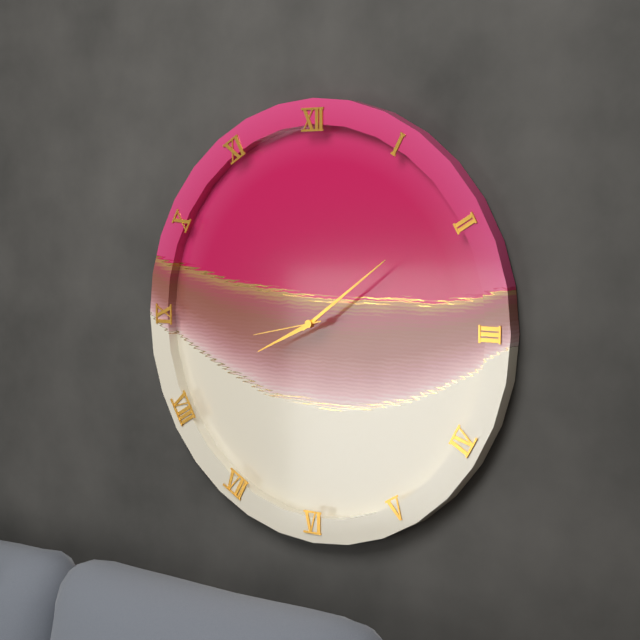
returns 8.09.43
